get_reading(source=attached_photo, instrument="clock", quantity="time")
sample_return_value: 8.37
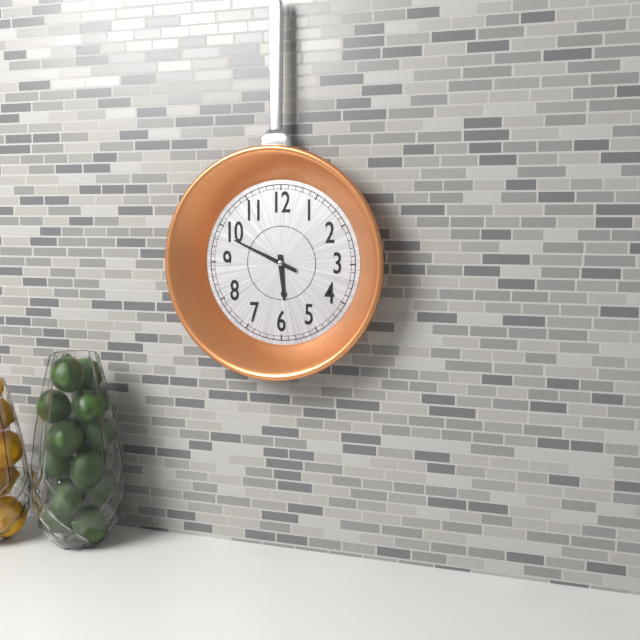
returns 5.49
